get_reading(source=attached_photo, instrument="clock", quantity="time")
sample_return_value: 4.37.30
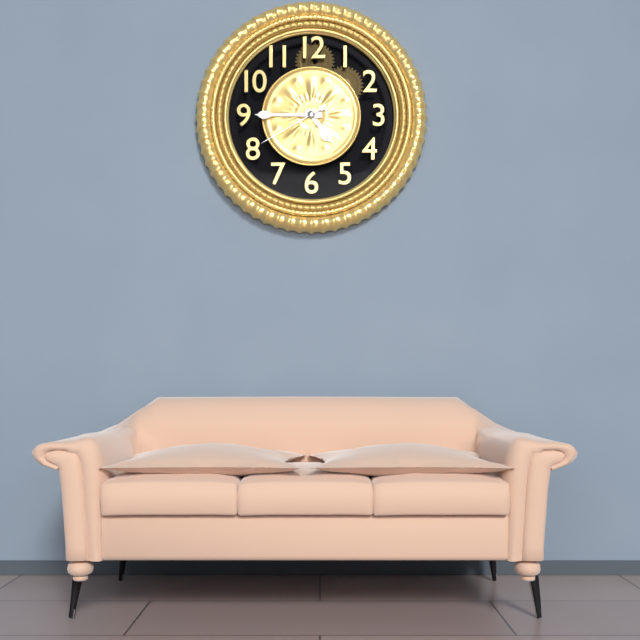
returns 4.45.40
